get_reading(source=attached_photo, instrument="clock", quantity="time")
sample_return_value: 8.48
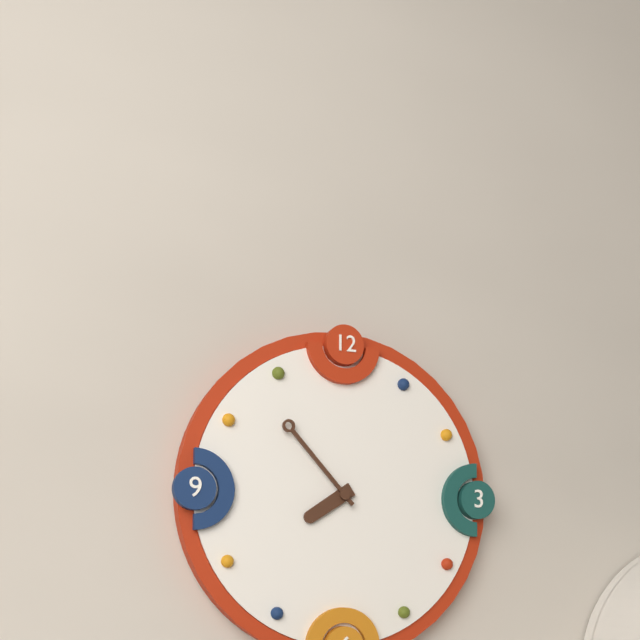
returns 7.53
